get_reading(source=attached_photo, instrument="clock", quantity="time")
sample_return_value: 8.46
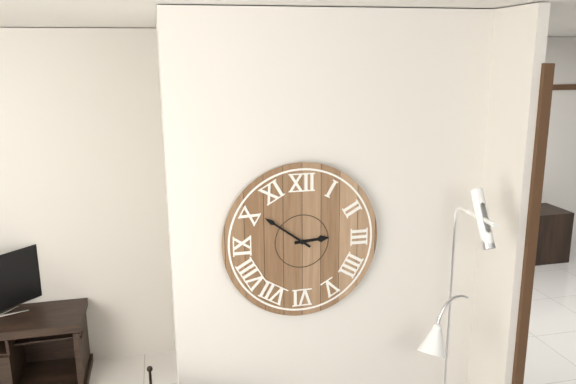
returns 2.51
